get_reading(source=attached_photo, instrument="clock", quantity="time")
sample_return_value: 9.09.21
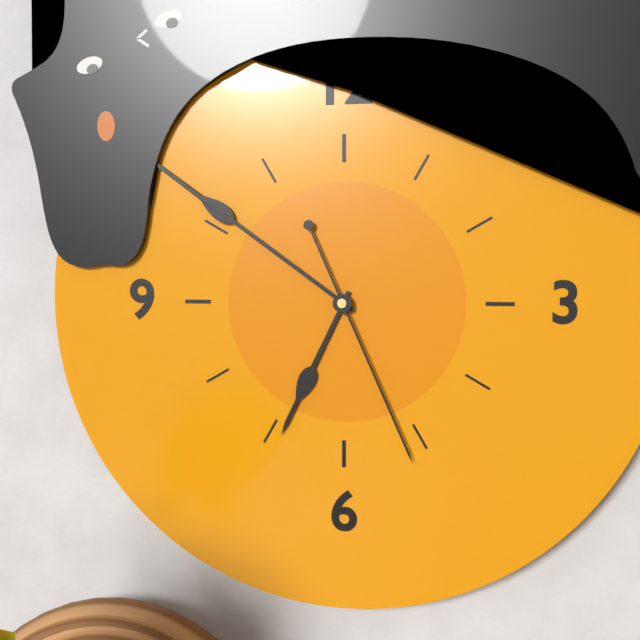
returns 6.51.26
